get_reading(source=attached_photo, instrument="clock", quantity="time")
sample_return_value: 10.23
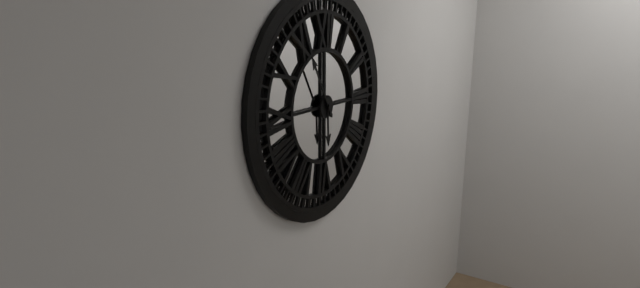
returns 5.55
